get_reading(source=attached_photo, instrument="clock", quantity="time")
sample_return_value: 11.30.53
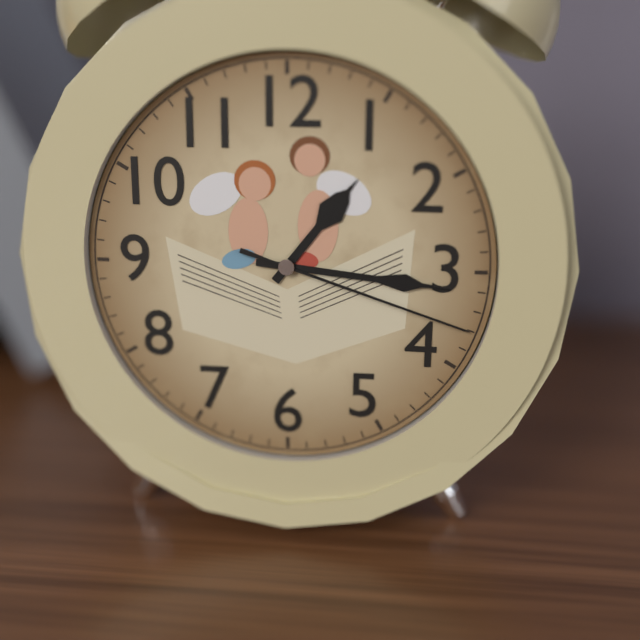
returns 1.16.18
